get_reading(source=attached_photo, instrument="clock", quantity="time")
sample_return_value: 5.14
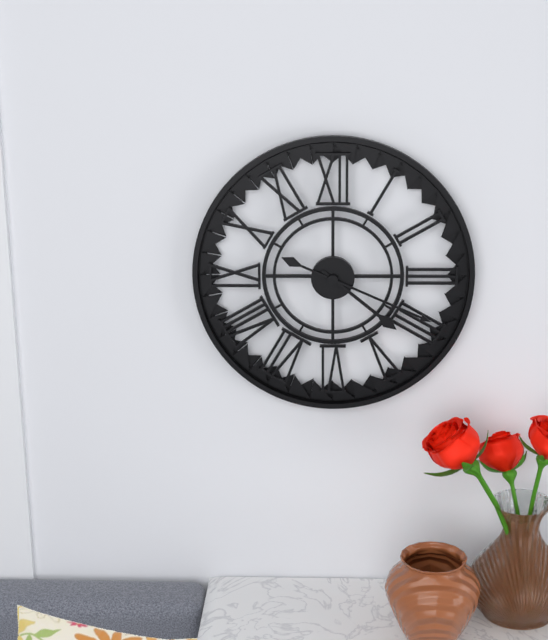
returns 4.19
